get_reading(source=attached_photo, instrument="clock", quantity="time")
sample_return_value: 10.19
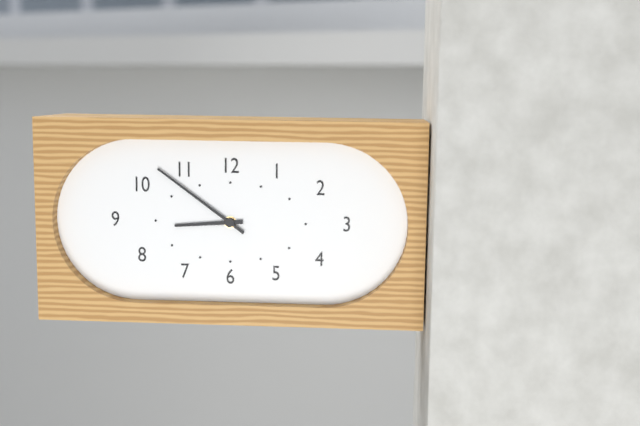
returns 8.51
